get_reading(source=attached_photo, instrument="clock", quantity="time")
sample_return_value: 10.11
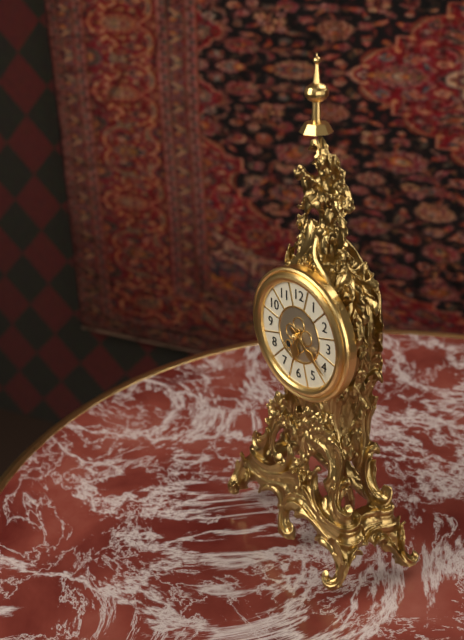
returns 6.21
